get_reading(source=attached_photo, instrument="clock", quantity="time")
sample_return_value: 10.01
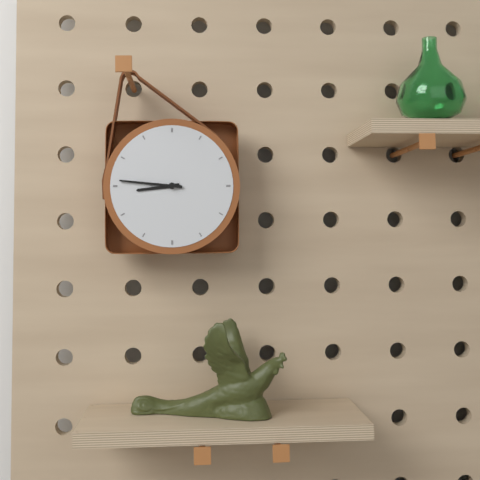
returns 8.46
